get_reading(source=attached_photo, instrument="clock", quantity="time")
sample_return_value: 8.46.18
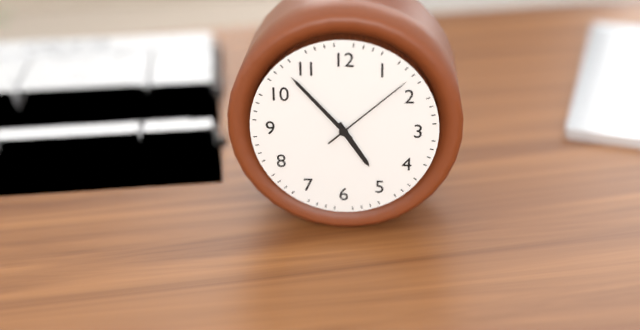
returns 4.53.08
